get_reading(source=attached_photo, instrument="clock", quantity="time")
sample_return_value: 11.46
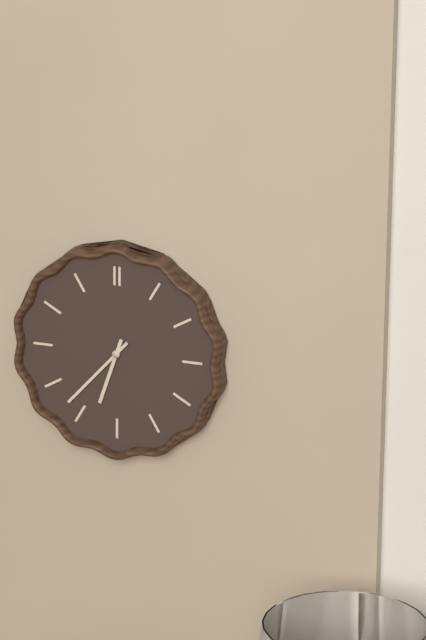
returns 6.37
